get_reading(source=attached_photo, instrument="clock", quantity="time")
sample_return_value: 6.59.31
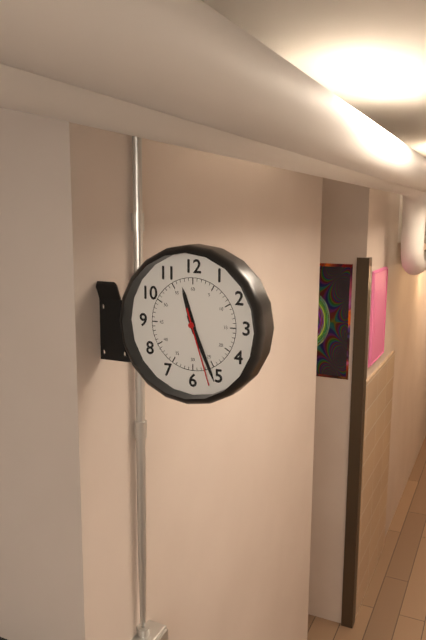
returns 11.26.27
